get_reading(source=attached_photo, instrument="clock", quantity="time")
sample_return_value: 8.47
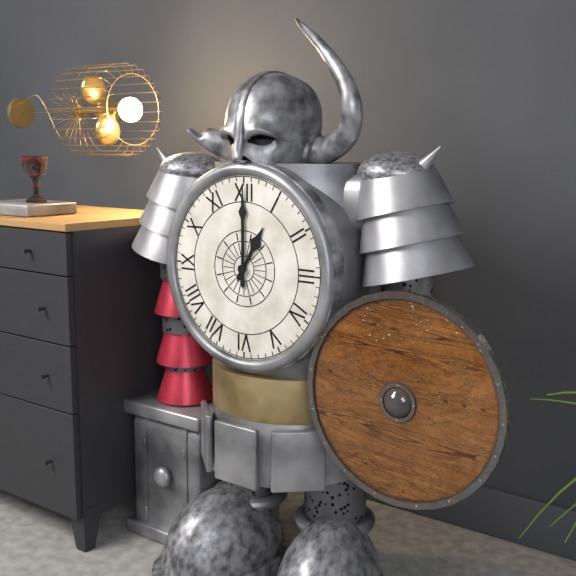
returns 1.00
